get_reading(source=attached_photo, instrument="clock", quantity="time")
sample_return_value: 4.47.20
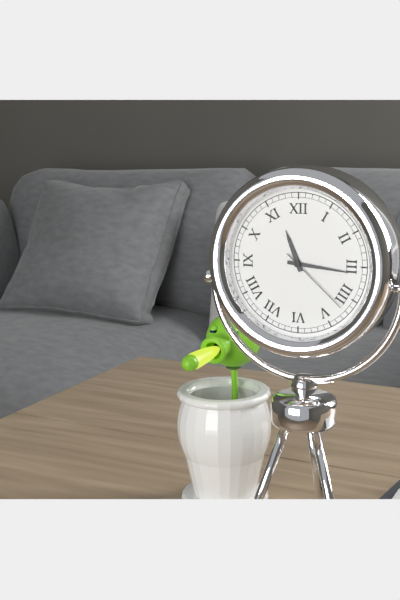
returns 11.16.22
